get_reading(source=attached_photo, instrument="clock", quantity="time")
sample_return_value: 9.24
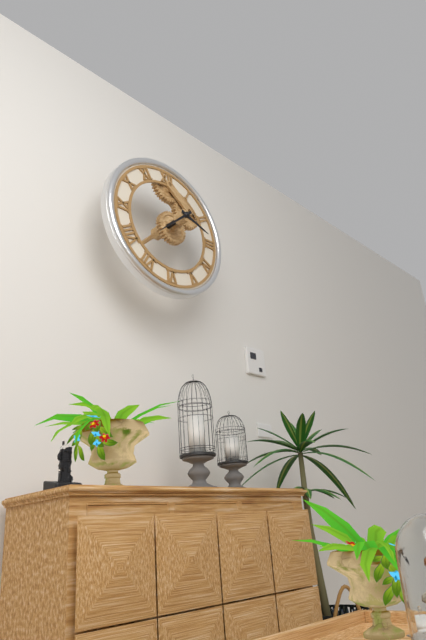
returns 3.38
